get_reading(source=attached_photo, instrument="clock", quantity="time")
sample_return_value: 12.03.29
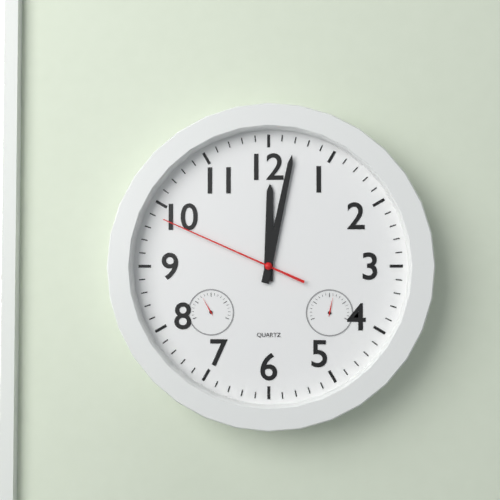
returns 12.02.49
